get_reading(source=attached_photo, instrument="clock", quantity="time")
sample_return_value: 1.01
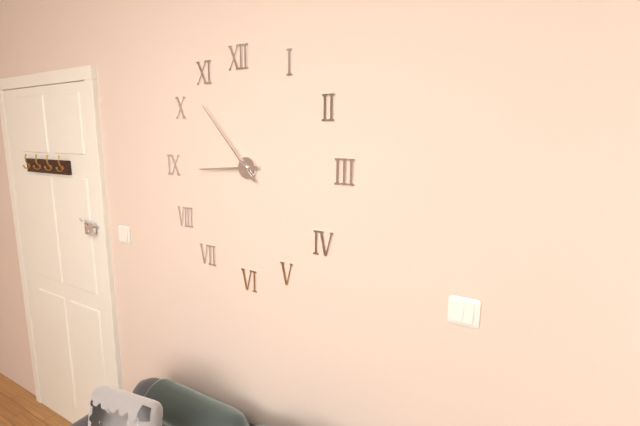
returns 8.53
